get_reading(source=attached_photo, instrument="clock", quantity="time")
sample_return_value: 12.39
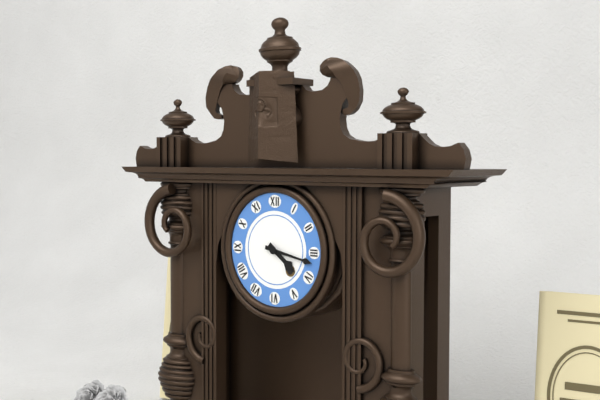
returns 4.17
